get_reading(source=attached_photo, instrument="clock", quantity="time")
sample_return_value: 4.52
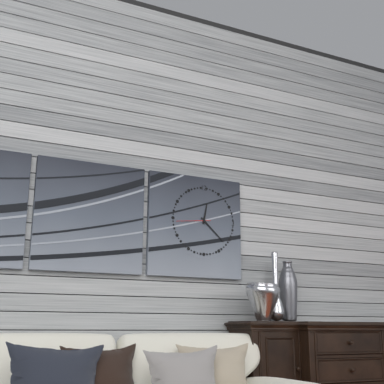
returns 12.22
